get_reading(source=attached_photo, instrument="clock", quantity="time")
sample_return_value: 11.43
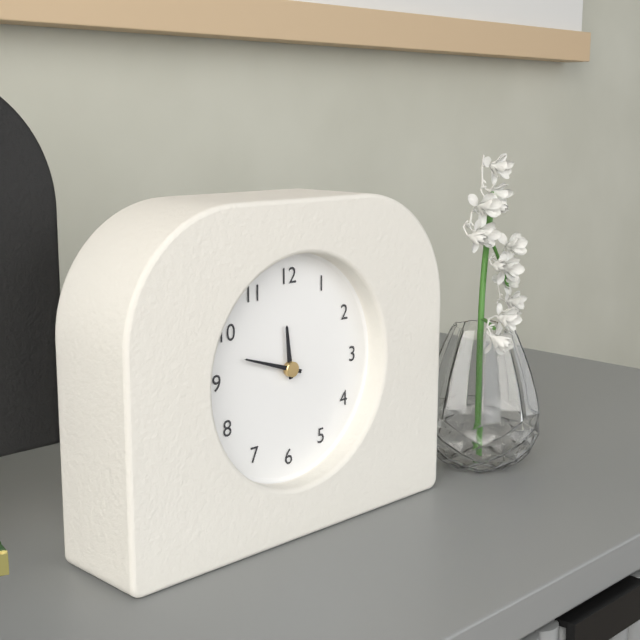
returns 11.48
